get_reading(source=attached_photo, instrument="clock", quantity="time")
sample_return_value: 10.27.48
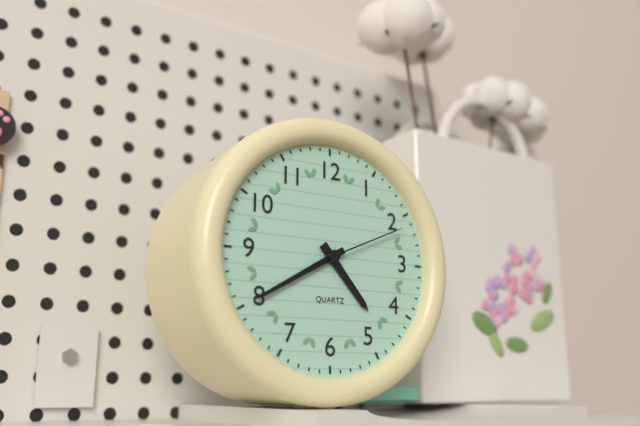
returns 4.40.11
